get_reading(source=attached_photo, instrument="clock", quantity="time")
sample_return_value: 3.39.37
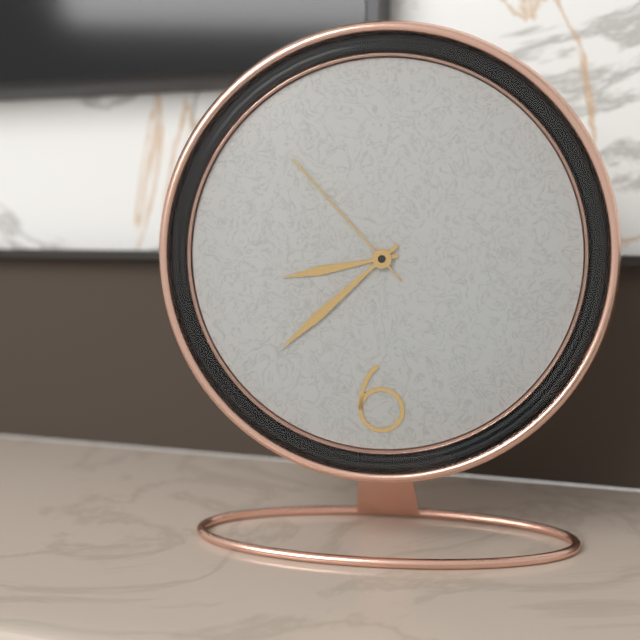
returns 8.38.53
